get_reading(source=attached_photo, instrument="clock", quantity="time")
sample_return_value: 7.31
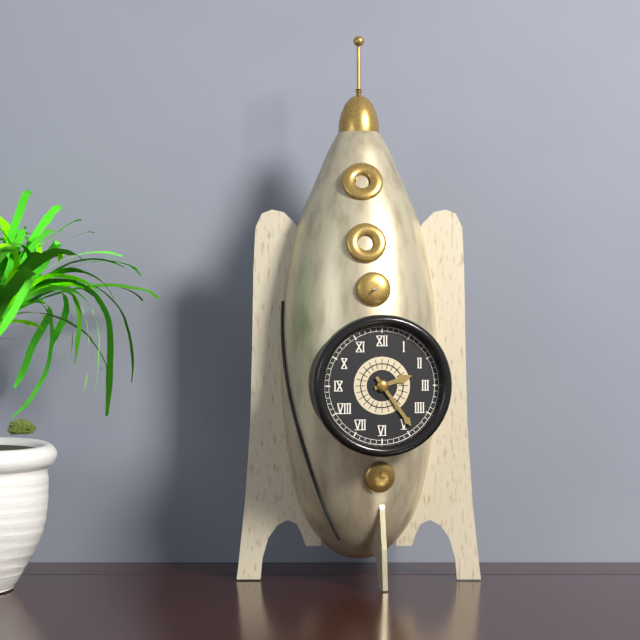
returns 2.24
